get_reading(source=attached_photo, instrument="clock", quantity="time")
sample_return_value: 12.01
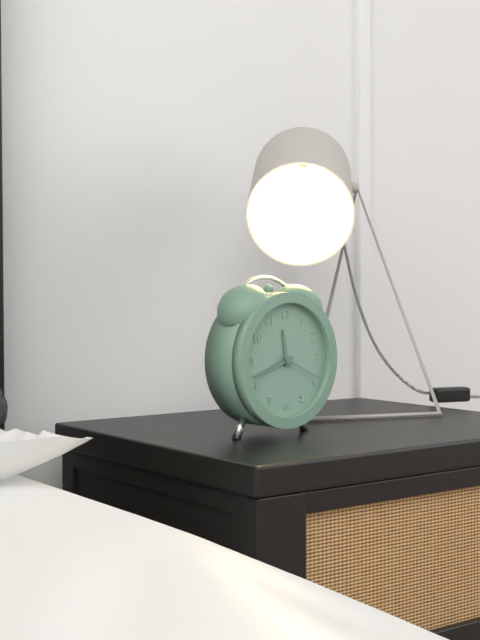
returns 11.42
